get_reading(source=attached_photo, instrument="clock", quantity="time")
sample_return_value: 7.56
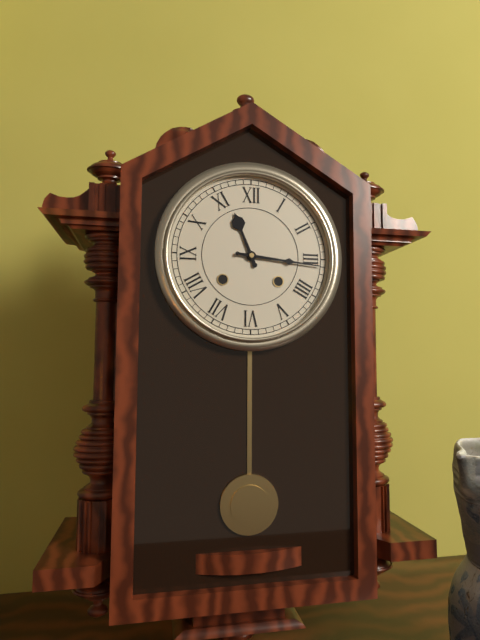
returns 11.16
